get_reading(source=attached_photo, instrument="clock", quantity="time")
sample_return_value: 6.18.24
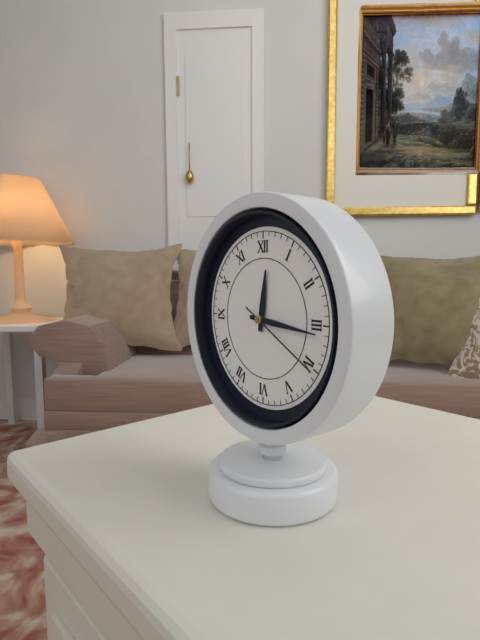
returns 12.16.20
